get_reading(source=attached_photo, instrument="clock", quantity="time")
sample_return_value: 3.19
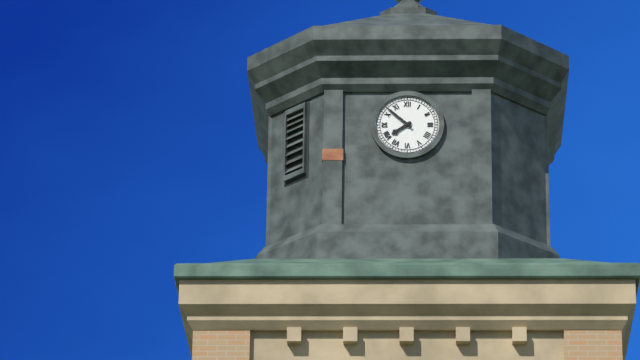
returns 7.52
